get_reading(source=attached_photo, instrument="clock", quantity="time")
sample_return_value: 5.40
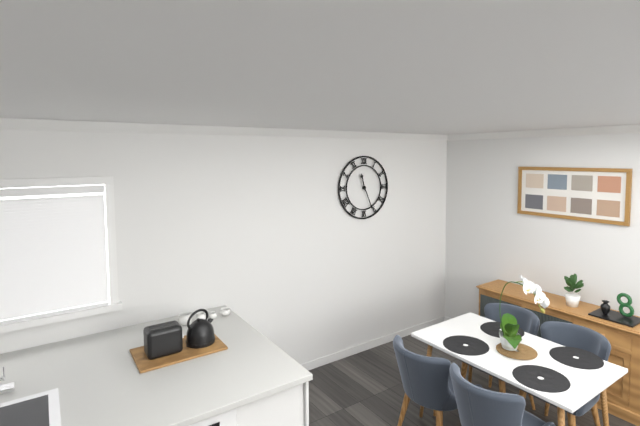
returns 11.26
